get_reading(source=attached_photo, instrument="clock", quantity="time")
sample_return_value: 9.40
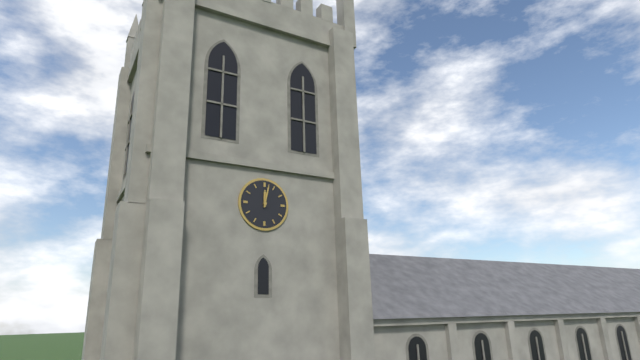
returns 12.02
